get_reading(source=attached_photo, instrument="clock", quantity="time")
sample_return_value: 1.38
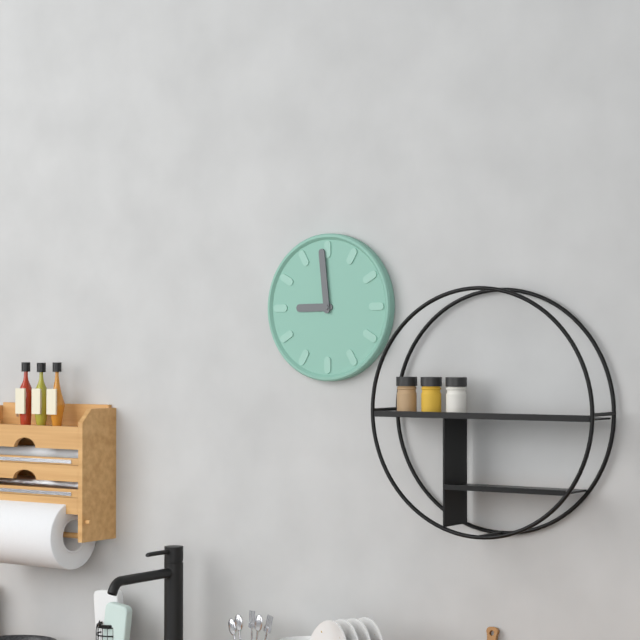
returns 8.59
